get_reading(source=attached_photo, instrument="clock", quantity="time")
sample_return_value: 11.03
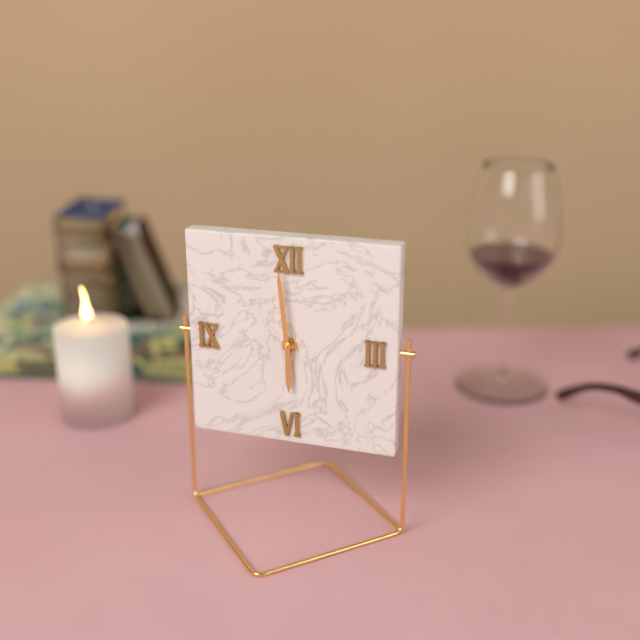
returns 5.59
